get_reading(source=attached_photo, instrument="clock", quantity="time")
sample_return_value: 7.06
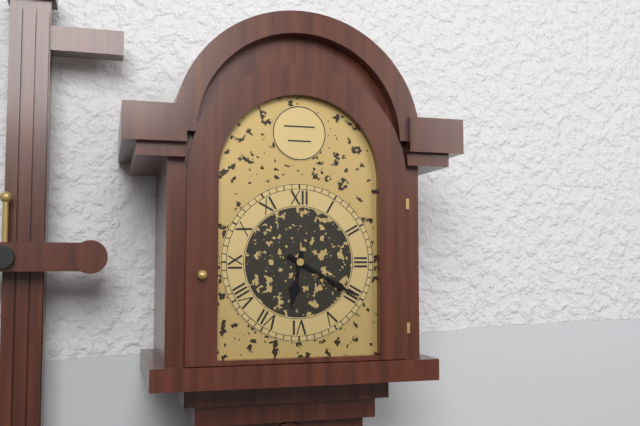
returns 6.20
